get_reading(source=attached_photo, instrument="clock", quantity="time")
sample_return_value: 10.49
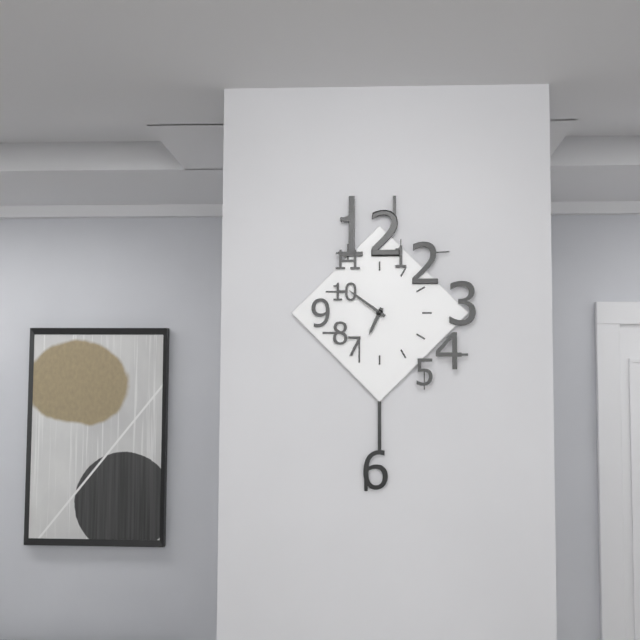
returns 6.51
